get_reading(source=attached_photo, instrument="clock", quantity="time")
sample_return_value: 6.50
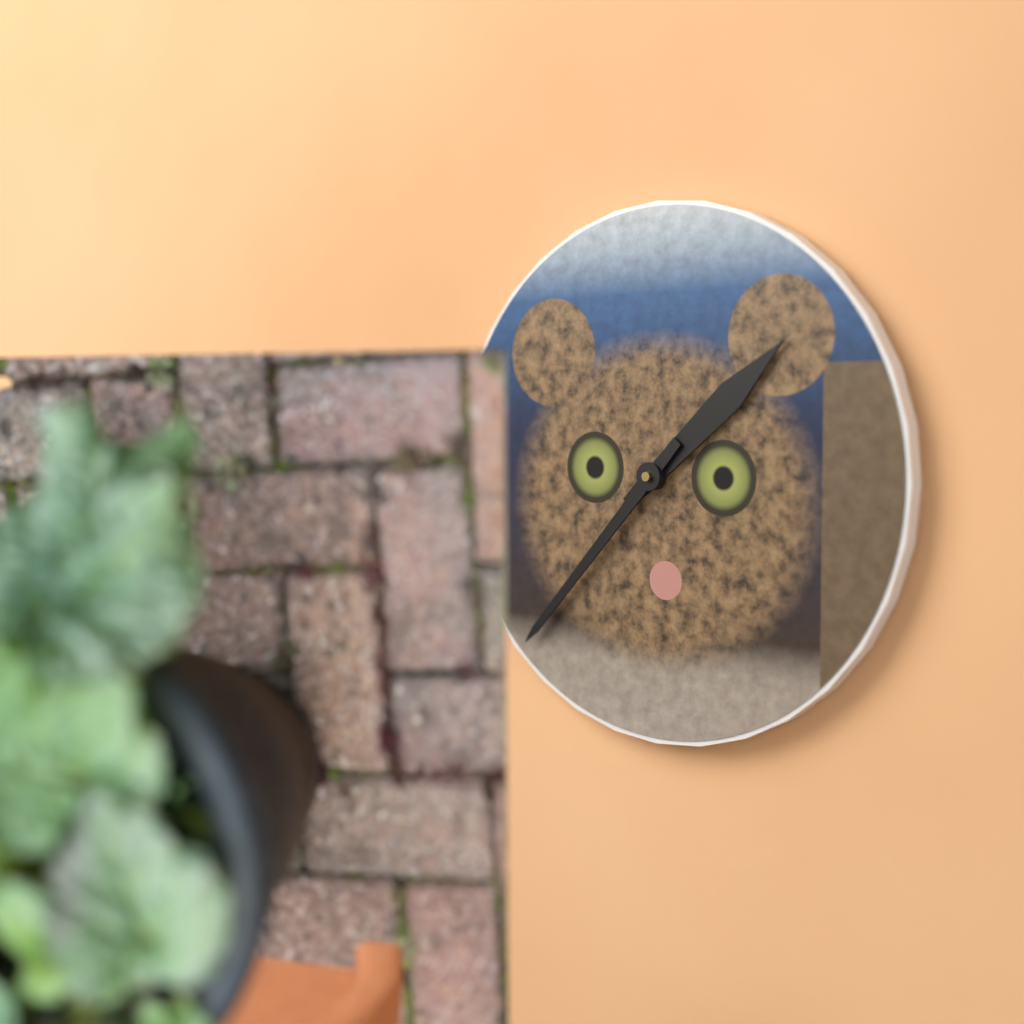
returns 1.37
